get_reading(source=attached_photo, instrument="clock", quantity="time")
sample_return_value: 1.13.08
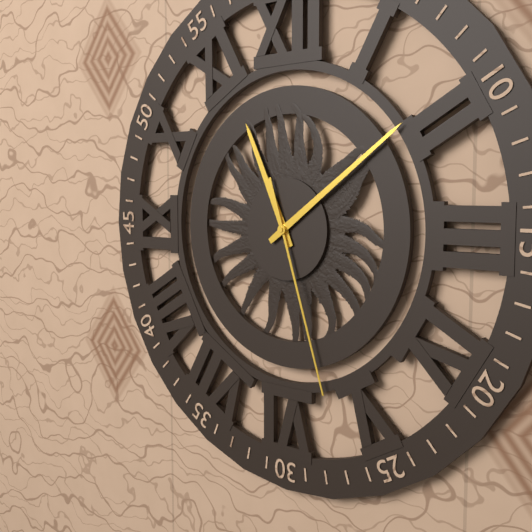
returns 11.09.27
